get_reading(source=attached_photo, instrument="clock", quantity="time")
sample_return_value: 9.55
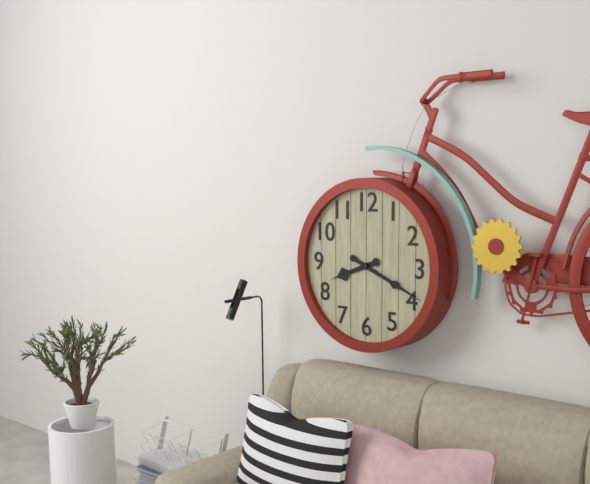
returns 8.19
